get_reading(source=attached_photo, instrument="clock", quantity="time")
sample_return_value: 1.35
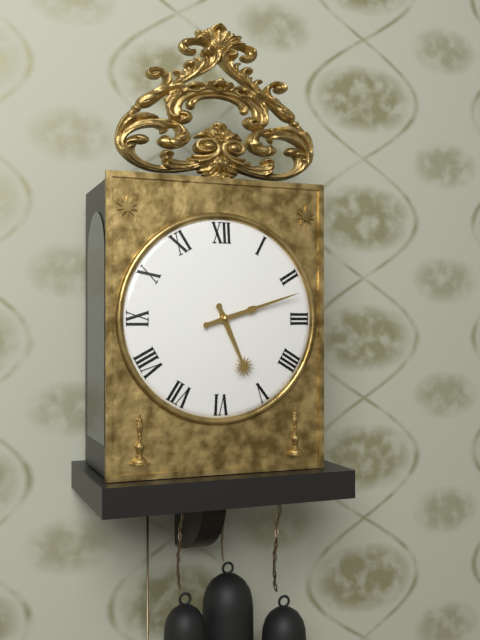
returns 5.12
